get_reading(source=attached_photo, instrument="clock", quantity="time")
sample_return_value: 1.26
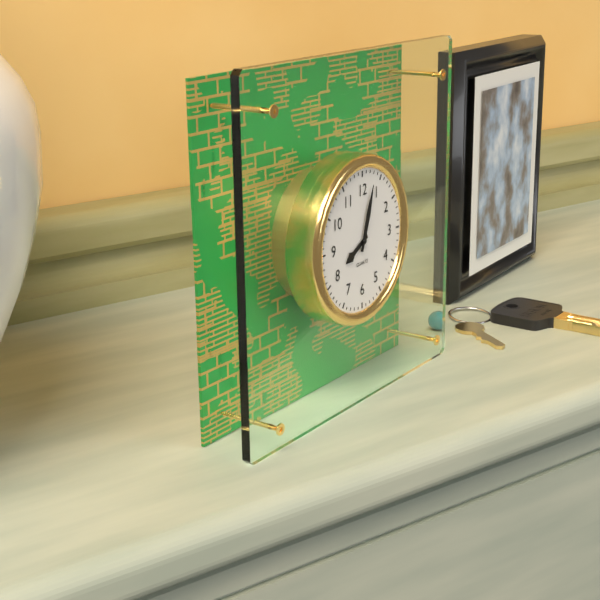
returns 8.03
